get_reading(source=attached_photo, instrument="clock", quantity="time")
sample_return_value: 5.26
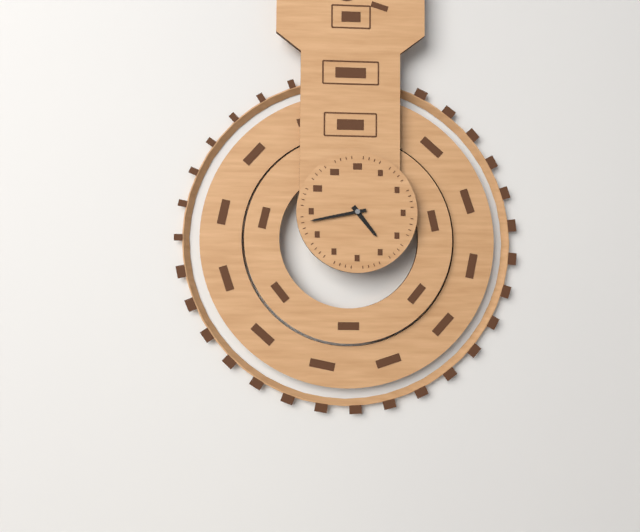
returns 4.43
